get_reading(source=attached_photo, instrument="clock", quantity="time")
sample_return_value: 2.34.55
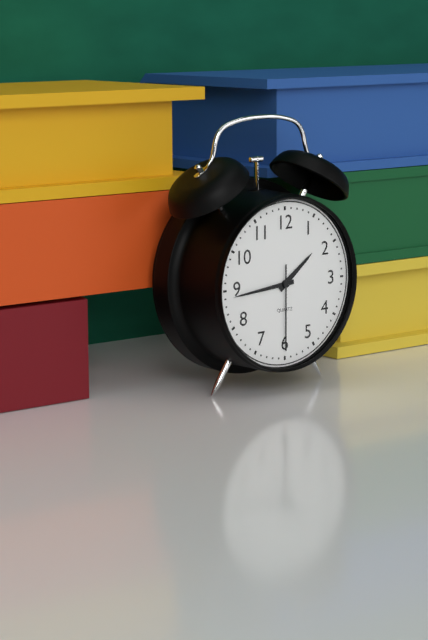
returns 1.44.30
